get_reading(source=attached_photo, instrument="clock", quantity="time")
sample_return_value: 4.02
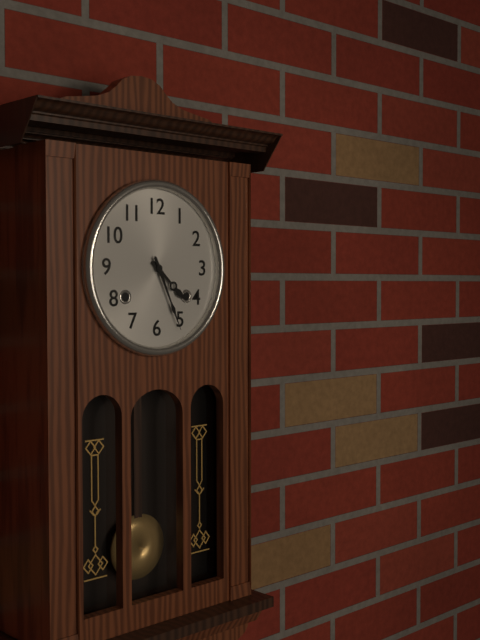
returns 4.26
